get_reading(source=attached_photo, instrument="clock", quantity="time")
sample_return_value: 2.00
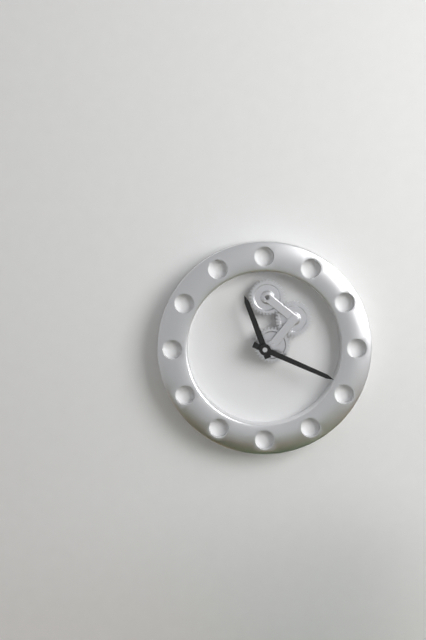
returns 11.19
